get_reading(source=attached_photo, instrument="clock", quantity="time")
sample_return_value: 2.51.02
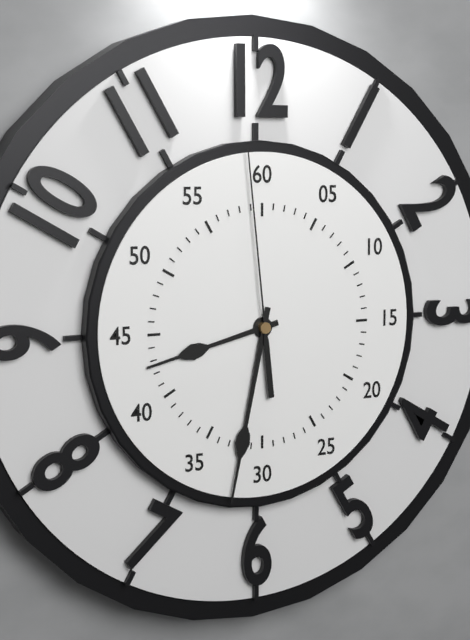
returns 8.32.59
